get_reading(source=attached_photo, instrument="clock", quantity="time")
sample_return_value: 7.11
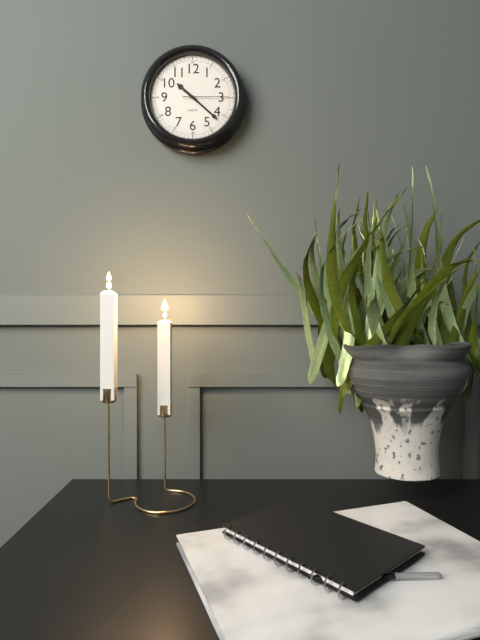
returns 10.22
